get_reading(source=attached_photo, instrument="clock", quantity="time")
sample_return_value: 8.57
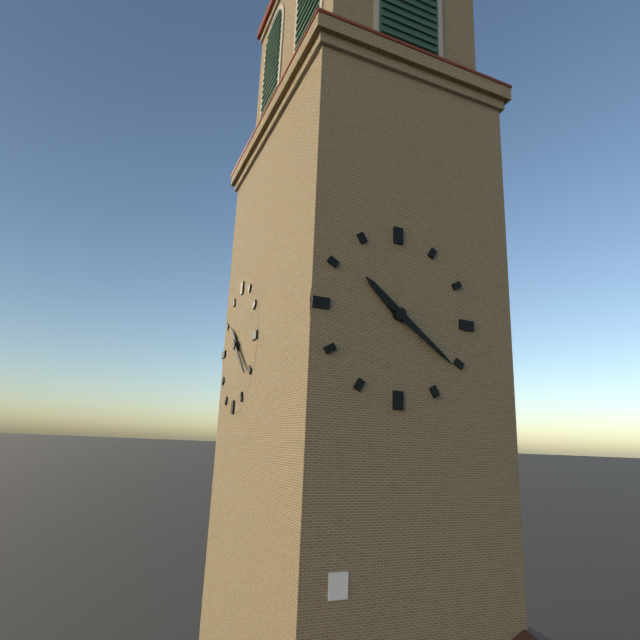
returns 10.21
